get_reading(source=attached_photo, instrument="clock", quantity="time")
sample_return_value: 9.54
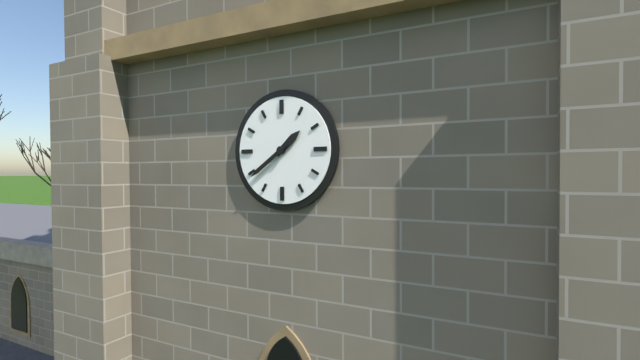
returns 1.39
